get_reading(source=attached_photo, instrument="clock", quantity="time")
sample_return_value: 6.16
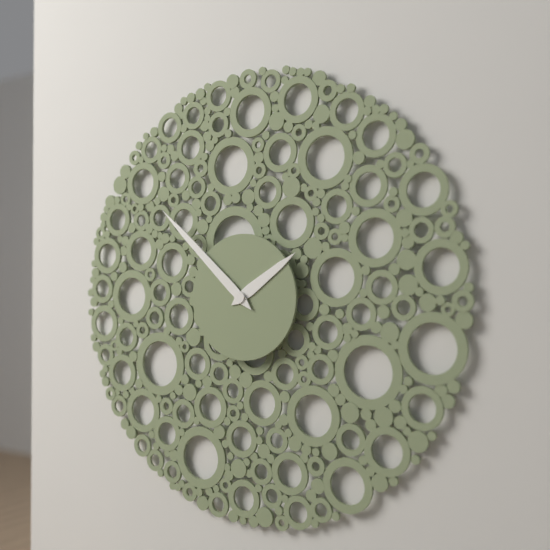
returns 1.52
